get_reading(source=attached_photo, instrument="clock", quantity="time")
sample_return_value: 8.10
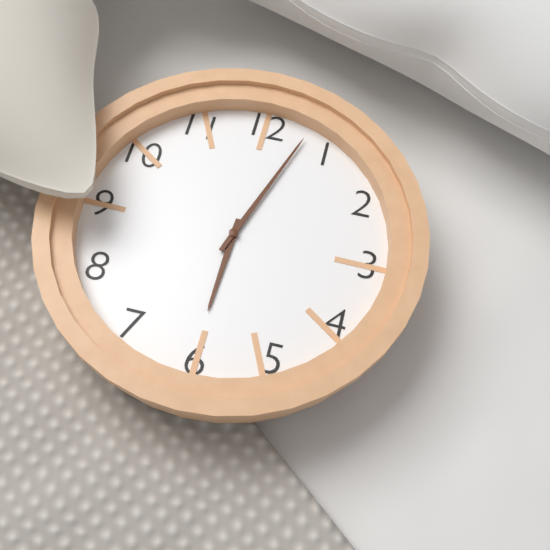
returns 6.03
